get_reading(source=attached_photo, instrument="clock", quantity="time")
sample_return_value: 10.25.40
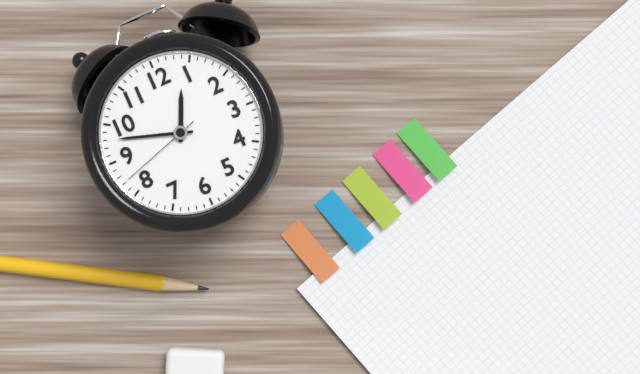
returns 12.48.42
